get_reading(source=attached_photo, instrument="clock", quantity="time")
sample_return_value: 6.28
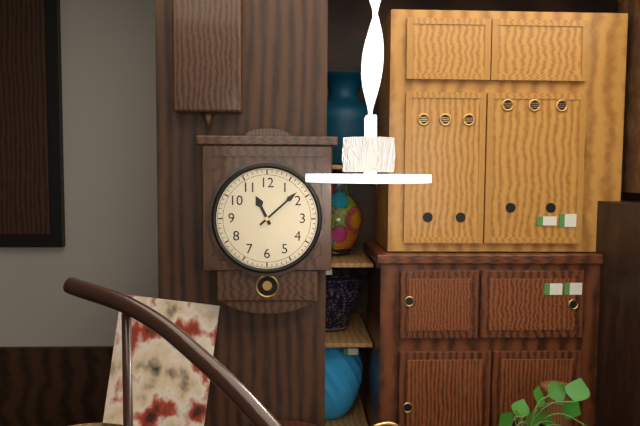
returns 11.08
